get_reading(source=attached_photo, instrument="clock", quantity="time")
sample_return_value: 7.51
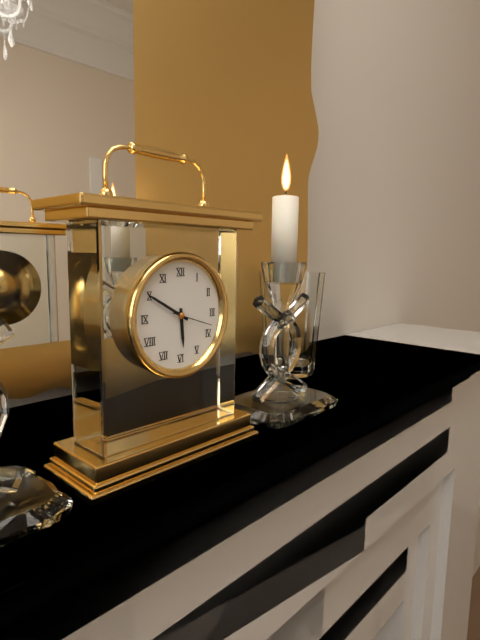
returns 5.50
